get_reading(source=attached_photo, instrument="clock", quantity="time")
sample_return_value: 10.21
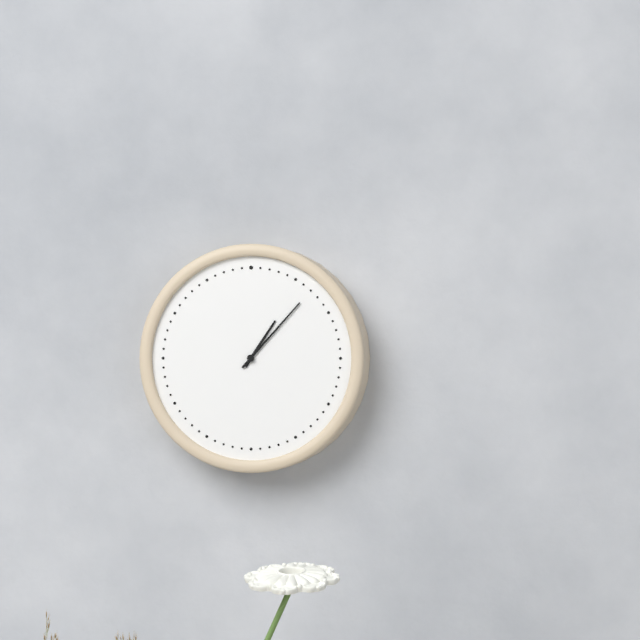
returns 1.07
